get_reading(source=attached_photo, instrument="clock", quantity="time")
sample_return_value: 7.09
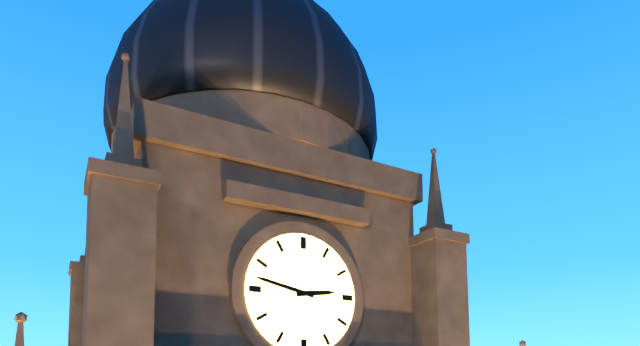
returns 2.47
